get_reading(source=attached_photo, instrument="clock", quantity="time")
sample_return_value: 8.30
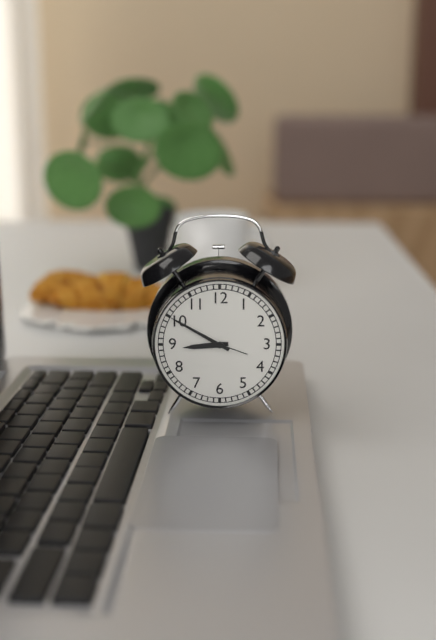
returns 8.50
